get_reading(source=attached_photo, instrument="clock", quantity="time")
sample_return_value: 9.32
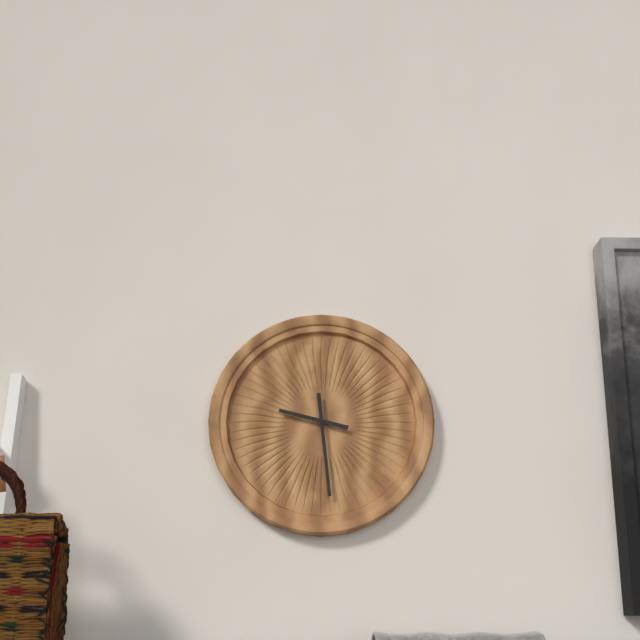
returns 9.29
